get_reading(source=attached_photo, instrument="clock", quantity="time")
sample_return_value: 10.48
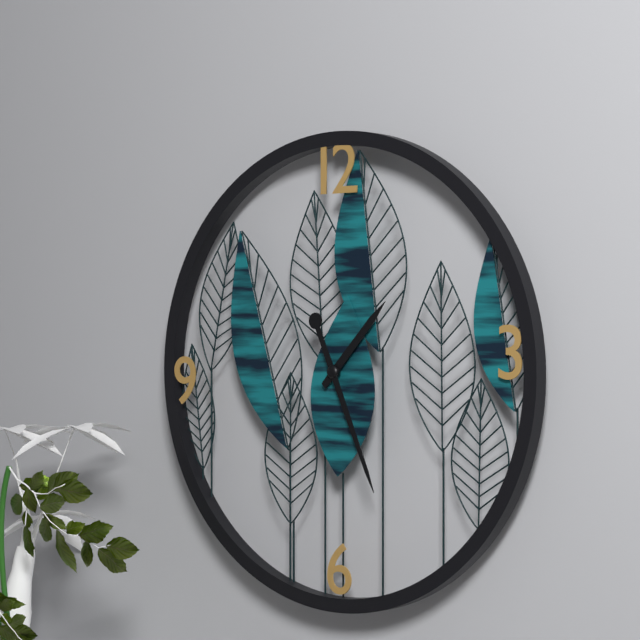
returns 1.26
